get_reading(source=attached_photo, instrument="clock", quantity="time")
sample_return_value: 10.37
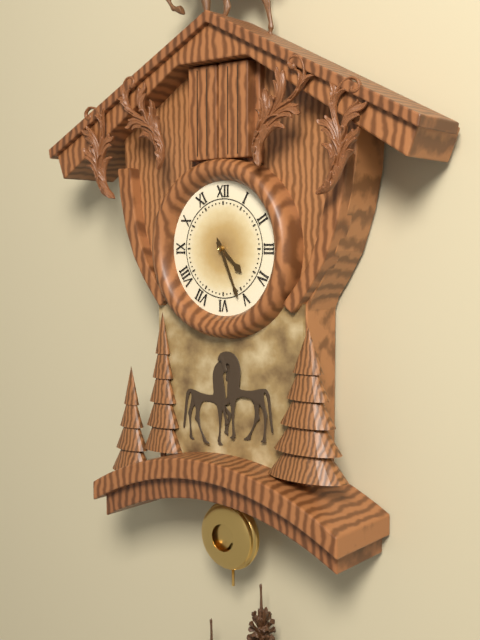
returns 4.26
